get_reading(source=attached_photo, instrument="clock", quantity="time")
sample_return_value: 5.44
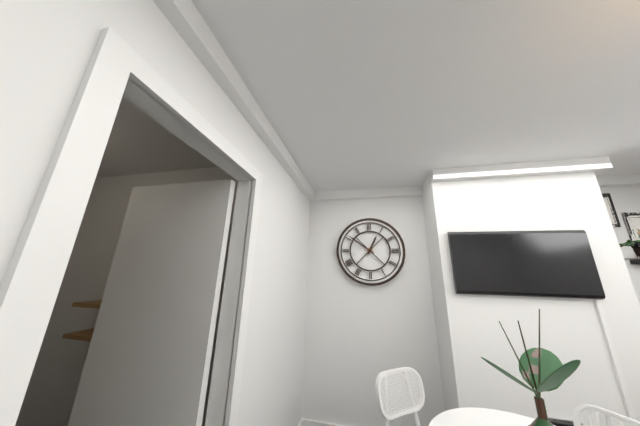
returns 12.51
